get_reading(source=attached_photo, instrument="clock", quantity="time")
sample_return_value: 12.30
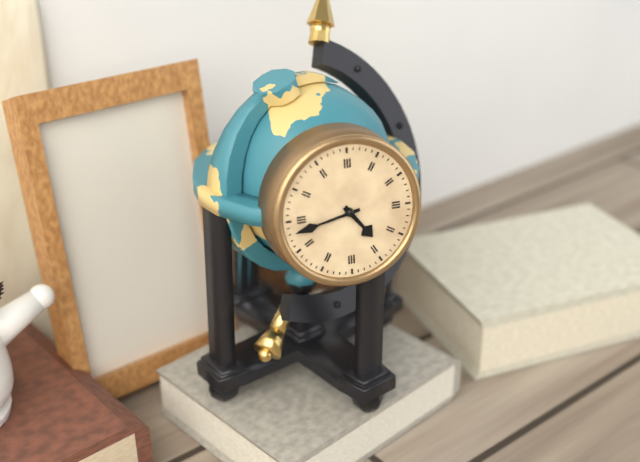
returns 4.43
